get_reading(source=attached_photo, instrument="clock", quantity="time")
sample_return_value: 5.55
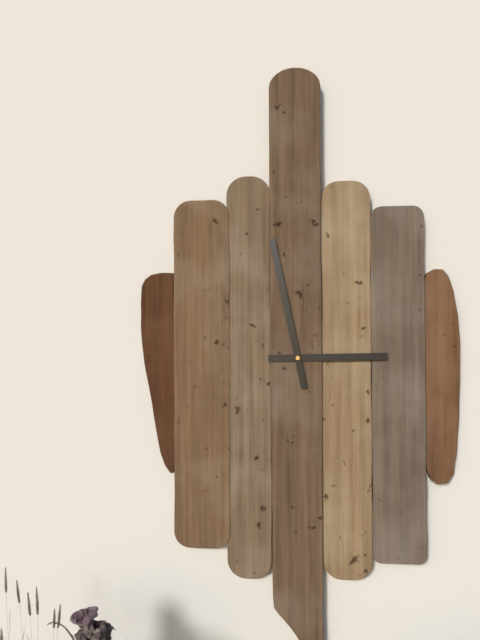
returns 2.58
